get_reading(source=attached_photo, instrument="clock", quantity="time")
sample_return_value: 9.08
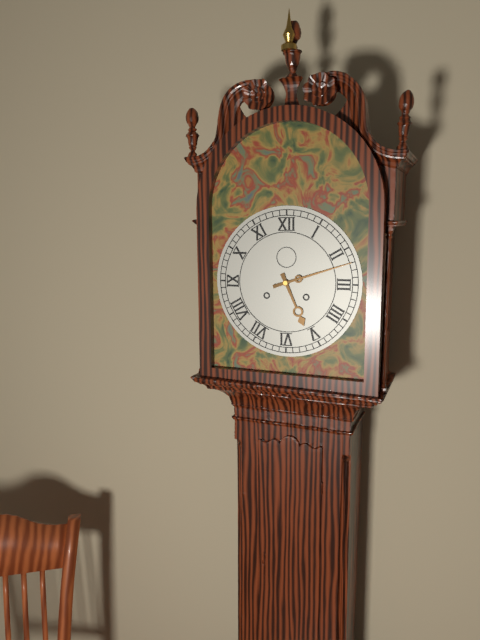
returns 5.12
